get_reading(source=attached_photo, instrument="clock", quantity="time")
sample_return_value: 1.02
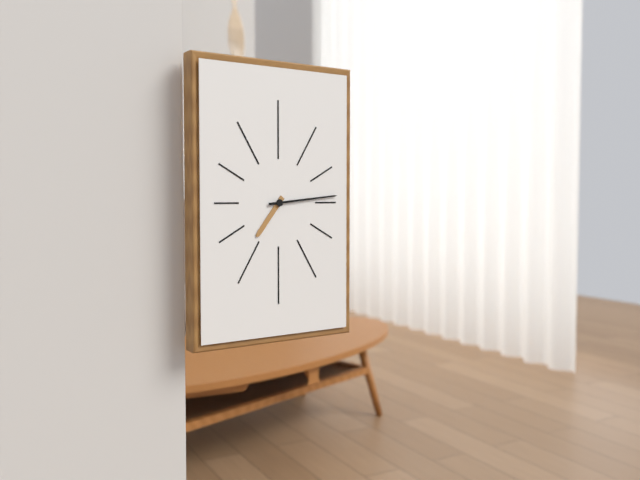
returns 7.14
